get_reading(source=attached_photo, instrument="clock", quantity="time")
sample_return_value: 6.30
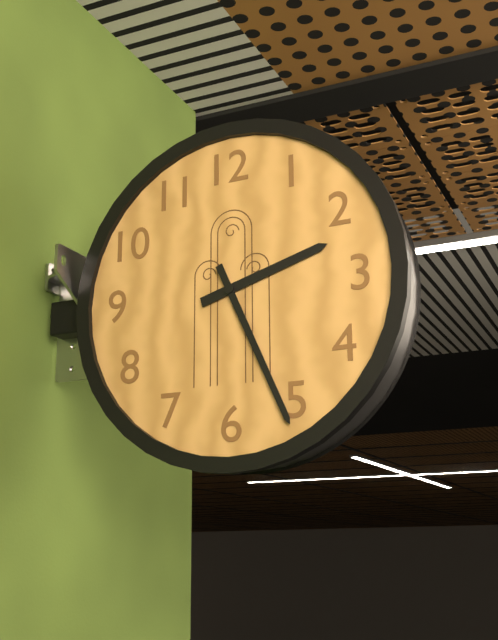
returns 2.26
